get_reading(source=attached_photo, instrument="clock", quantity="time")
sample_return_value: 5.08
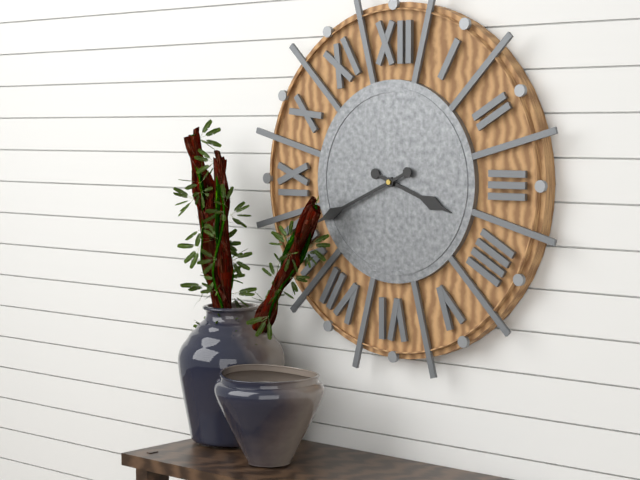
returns 3.41
